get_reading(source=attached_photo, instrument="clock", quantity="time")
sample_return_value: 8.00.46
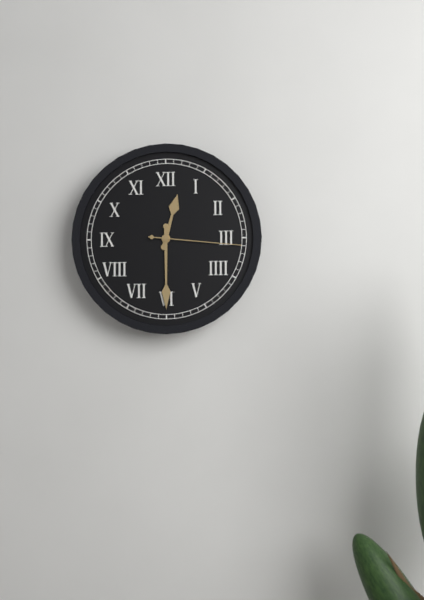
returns 12.30.16
